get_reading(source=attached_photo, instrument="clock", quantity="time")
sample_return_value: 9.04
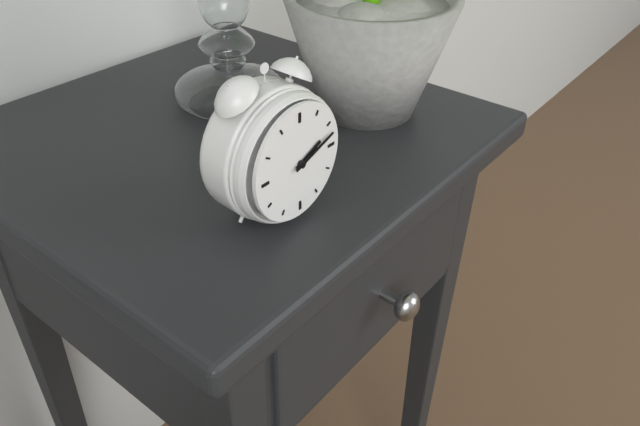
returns 2.12
